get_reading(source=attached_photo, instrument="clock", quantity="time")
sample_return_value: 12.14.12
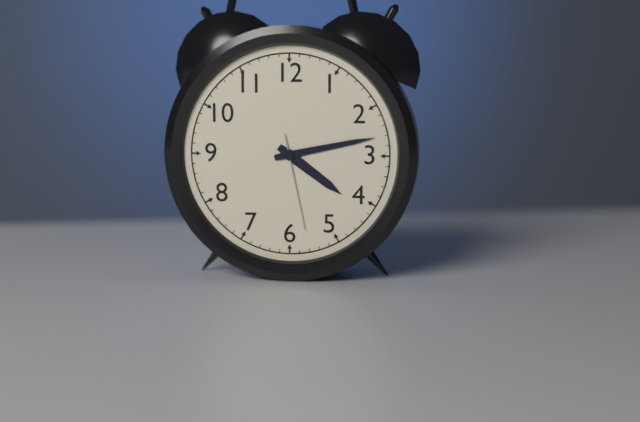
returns 4.13.28
